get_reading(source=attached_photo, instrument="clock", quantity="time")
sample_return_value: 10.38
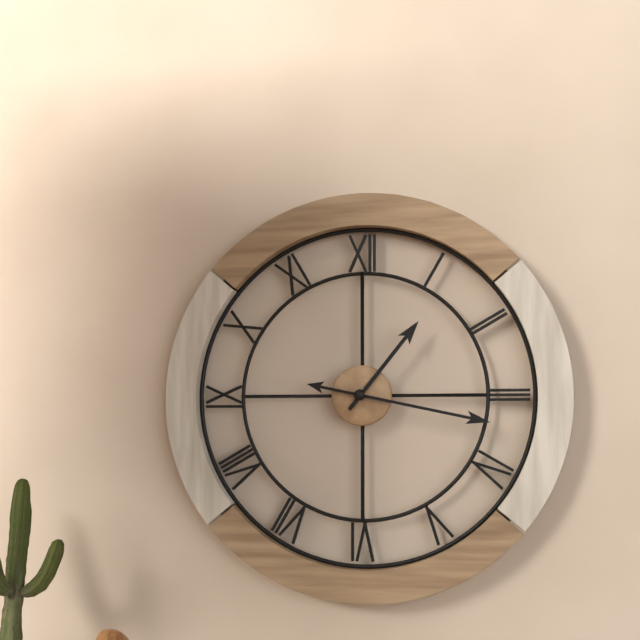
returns 1.17
